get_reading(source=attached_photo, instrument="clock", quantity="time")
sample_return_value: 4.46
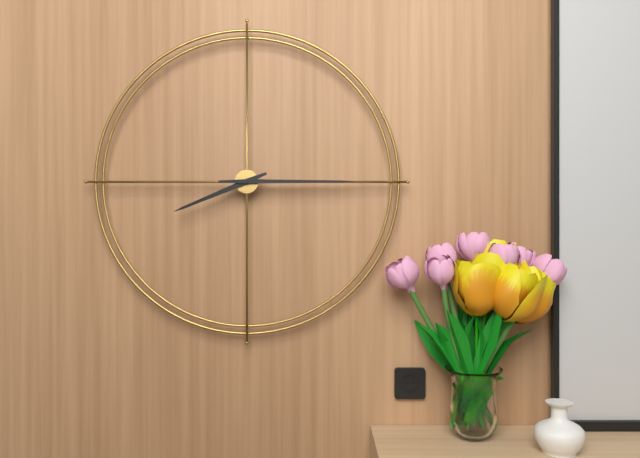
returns 8.15
